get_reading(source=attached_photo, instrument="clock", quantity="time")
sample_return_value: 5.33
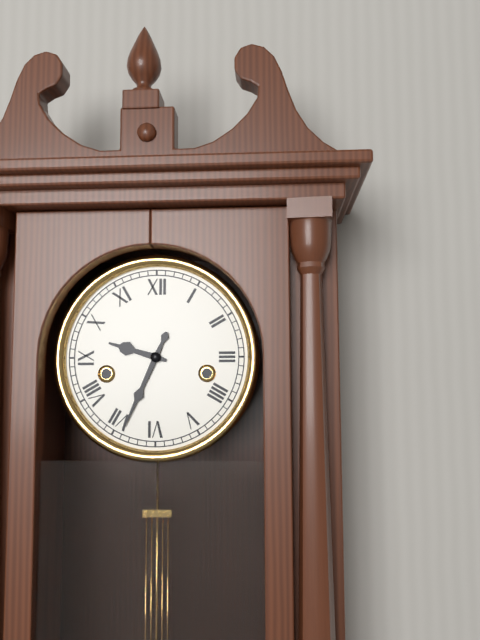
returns 9.34
